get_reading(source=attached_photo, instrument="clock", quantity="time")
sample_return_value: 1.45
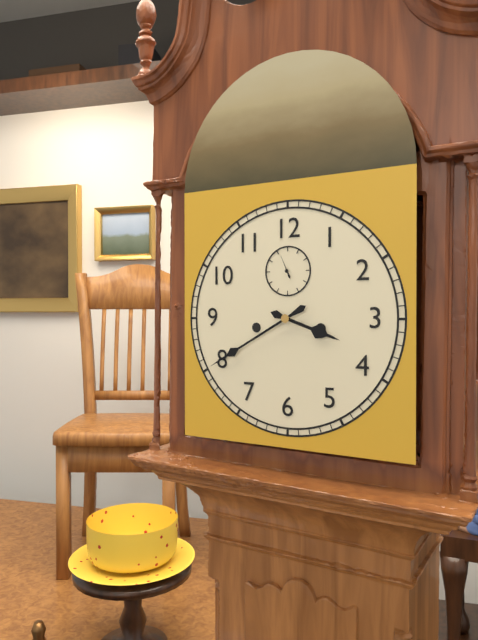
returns 3.40
